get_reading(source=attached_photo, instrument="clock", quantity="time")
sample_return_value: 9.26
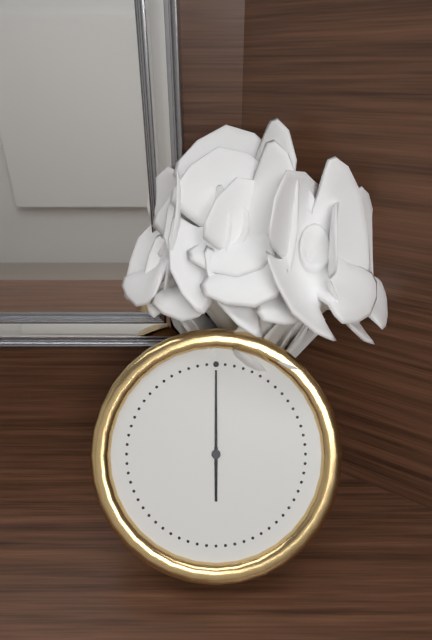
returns 6.00
